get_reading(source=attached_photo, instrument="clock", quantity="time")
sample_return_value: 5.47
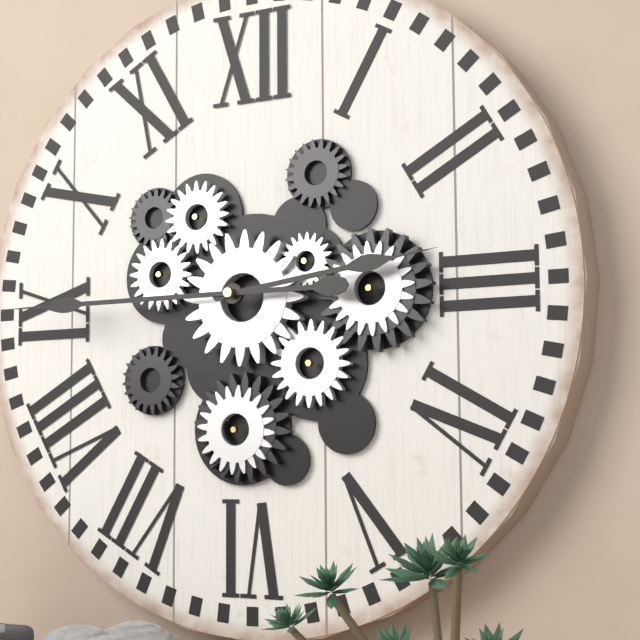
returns 2.45
